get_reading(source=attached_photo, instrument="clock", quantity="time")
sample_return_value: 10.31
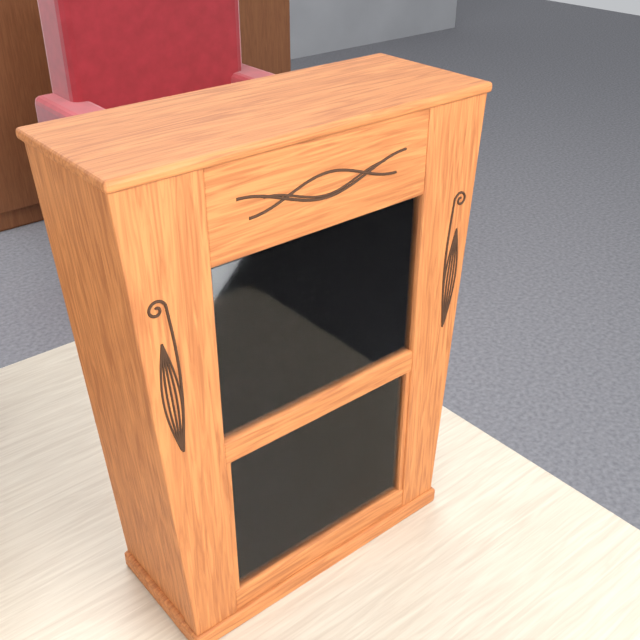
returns 6.34
